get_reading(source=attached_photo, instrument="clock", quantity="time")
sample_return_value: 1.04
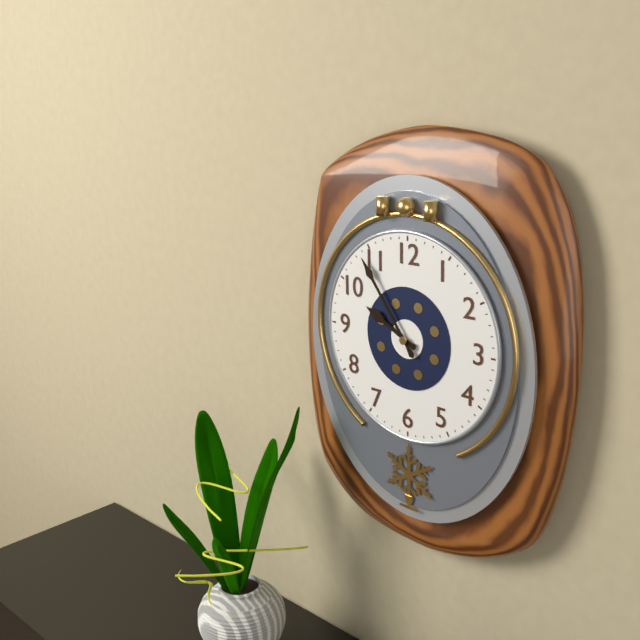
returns 9.54
